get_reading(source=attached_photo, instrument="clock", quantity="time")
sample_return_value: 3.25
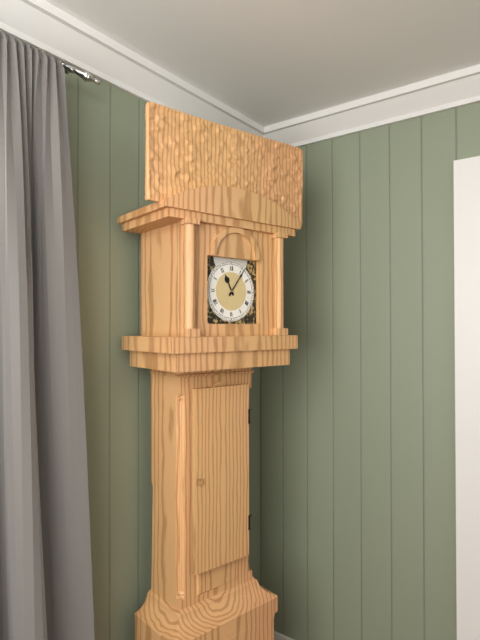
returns 11.06
